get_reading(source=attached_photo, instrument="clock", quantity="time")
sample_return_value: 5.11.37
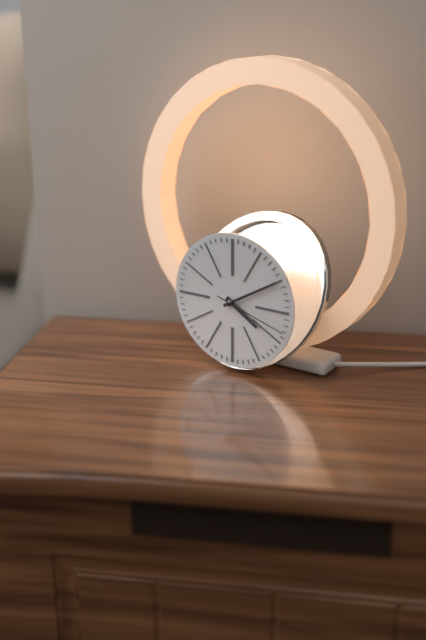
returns 4.10.18
